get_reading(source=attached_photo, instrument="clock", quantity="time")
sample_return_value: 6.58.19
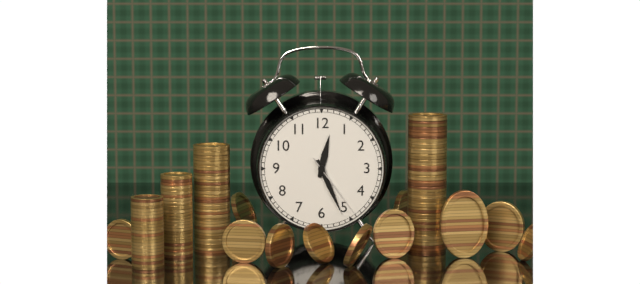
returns 12.26.24
